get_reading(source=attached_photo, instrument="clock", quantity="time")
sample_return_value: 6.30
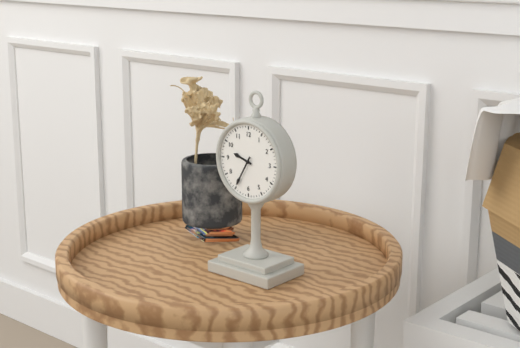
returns 9.35
